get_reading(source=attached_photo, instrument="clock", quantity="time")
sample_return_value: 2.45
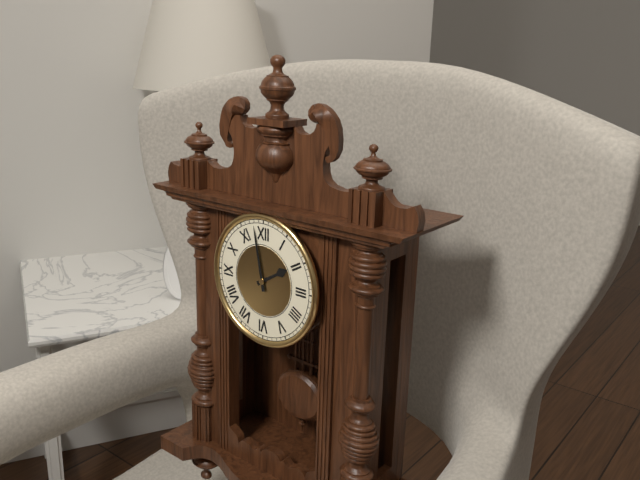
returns 1.58
